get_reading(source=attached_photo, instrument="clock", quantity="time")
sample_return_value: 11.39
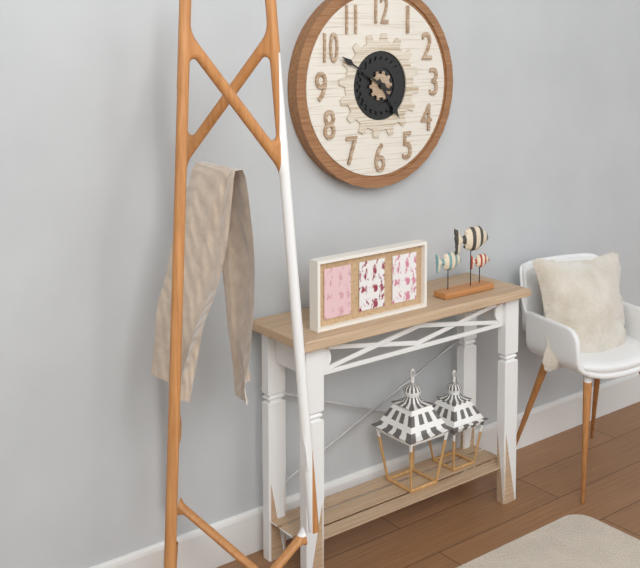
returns 4.50
